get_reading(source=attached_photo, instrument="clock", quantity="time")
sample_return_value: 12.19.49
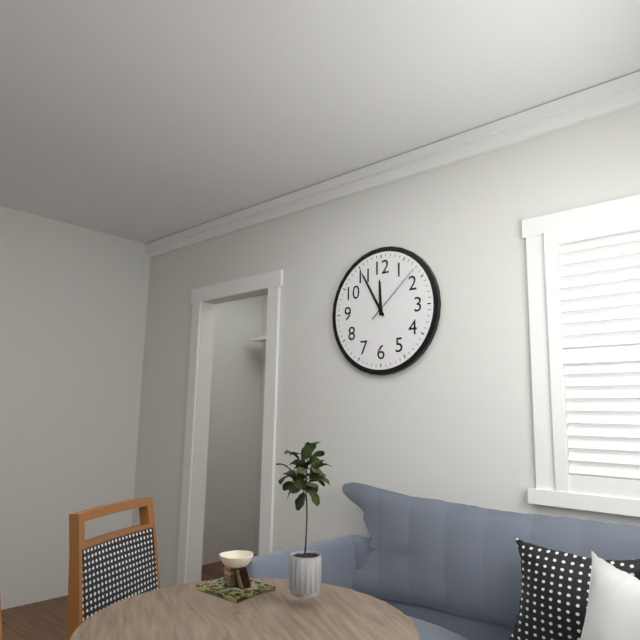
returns 11.55.08
